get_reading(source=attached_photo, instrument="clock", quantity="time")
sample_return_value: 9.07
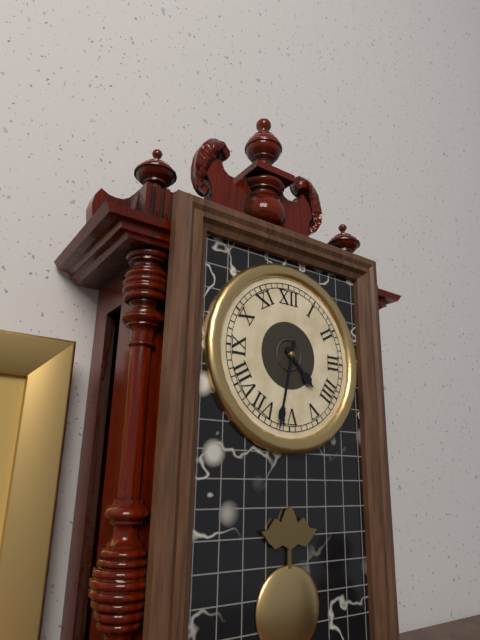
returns 4.32
